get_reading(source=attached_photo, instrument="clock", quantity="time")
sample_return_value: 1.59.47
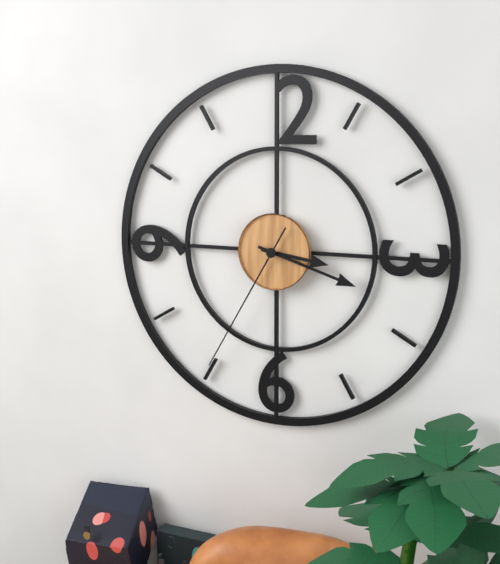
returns 3.18.35
